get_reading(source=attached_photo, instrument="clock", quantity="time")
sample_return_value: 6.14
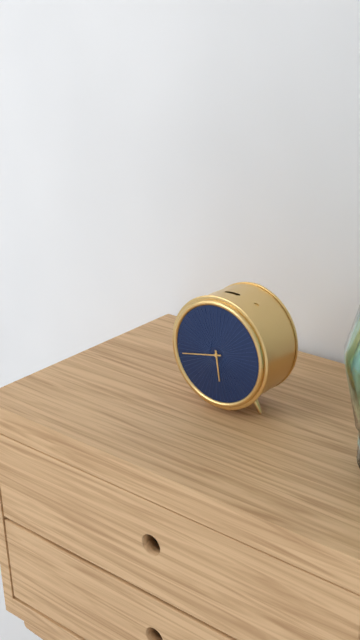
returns 5.43
